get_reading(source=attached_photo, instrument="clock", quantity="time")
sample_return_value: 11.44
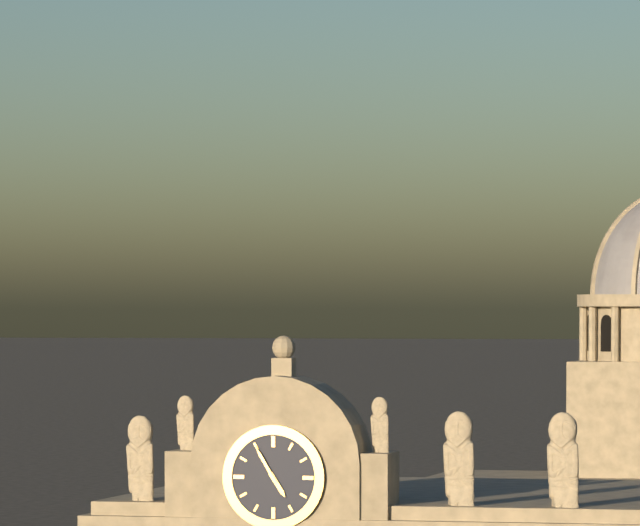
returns 4.55
